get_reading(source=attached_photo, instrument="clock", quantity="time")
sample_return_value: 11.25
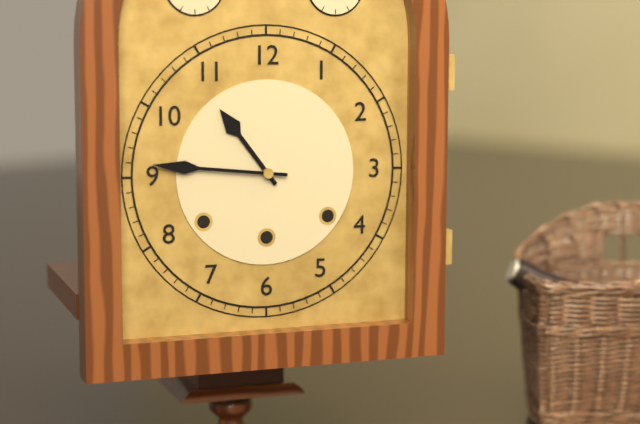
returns 10.46
